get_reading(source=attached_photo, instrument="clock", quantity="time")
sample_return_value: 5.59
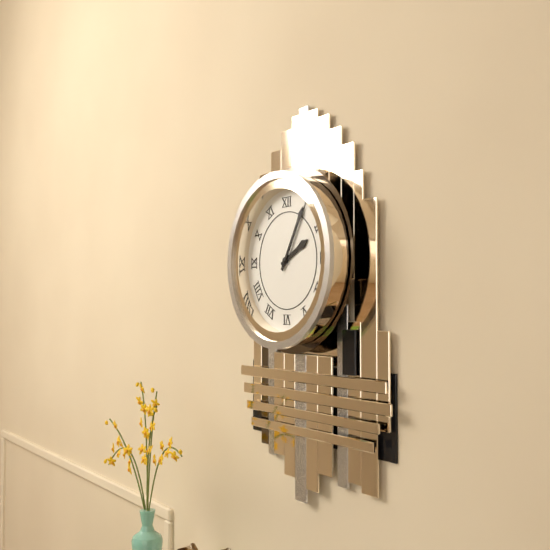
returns 2.05
